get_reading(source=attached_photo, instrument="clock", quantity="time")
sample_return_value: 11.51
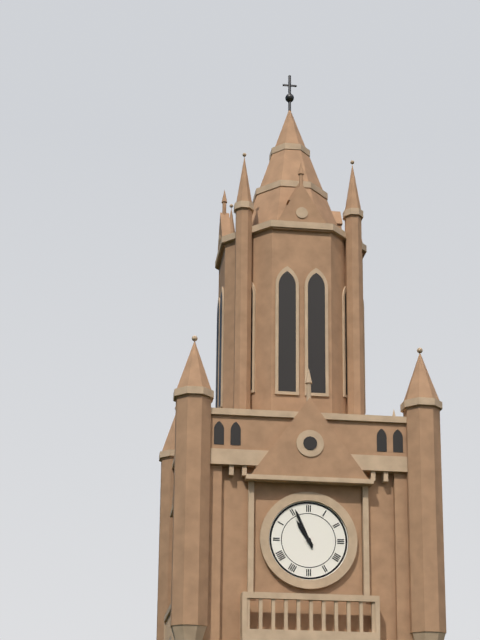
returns 10.56
